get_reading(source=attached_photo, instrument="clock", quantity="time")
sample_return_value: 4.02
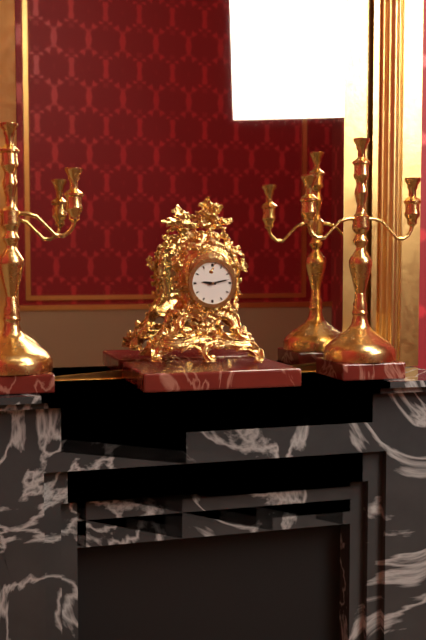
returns 9.13
